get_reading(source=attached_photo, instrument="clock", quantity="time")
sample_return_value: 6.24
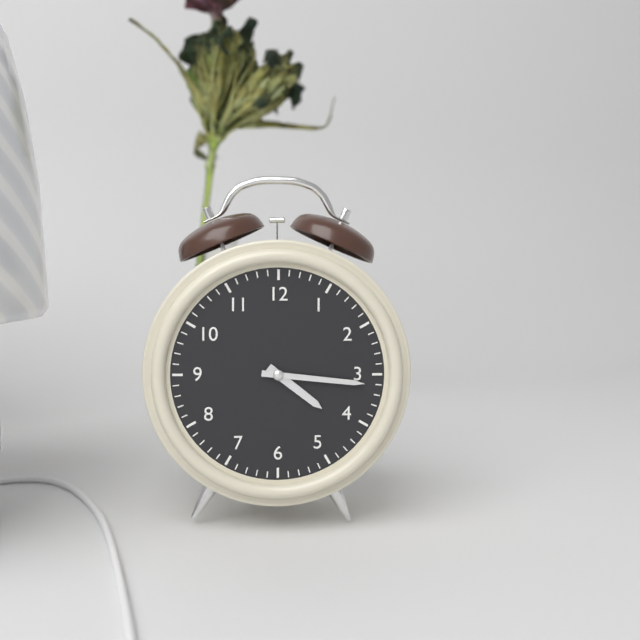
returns 4.16
